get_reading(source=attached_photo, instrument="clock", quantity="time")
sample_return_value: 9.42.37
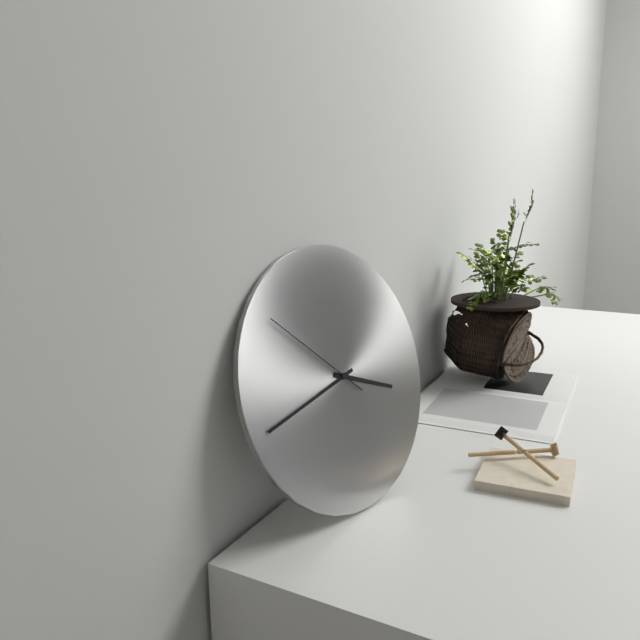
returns 3.43.52
